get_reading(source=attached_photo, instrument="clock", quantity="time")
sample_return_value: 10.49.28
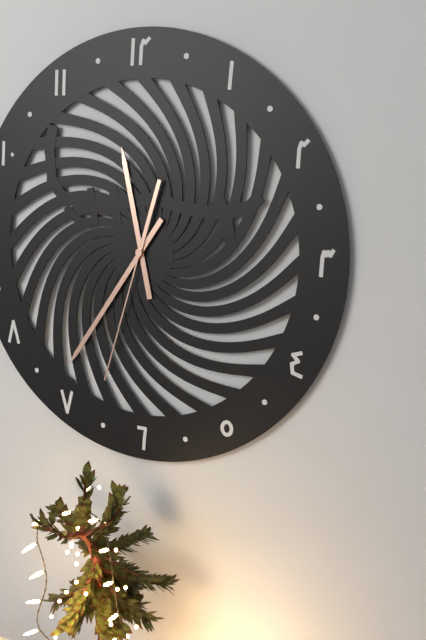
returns 11.36.33
